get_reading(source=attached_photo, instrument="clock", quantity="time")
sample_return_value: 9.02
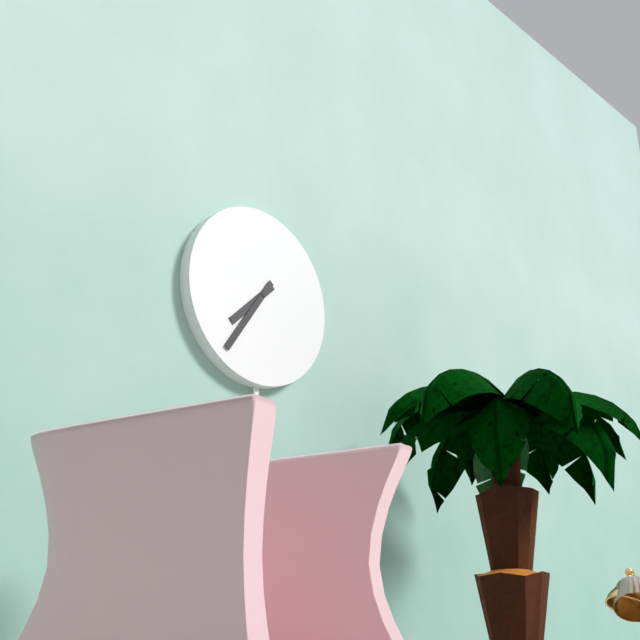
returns 7.36
